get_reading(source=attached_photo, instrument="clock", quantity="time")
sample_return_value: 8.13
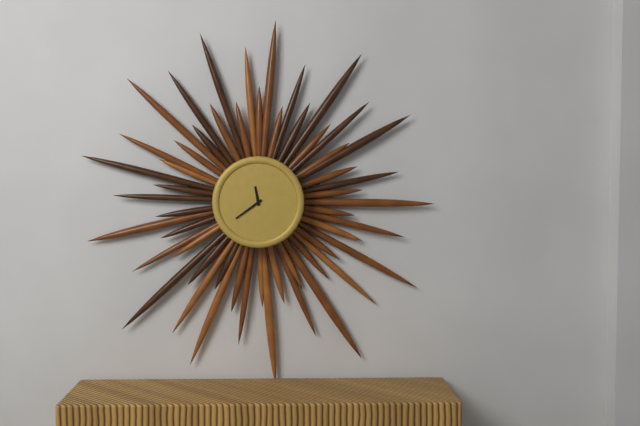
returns 11.39
